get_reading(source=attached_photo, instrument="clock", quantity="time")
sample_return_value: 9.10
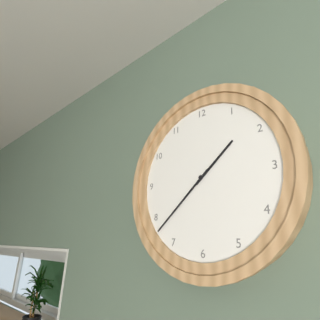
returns 1.38
